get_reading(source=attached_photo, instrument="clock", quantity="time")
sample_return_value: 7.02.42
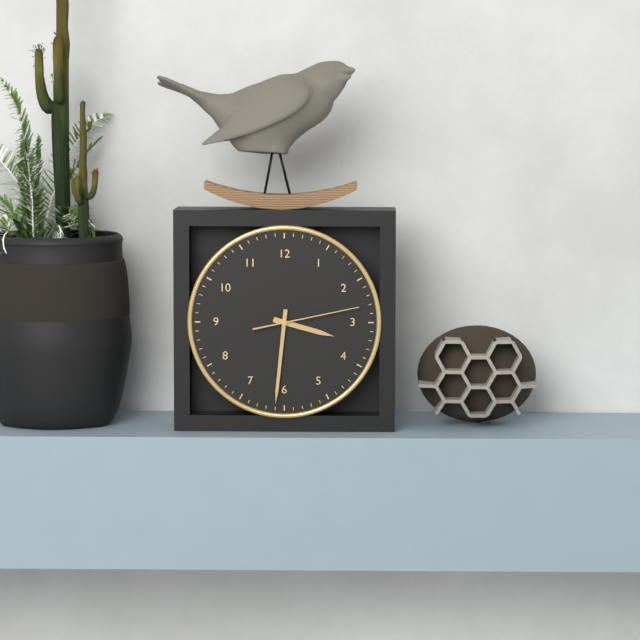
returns 3.31.13
